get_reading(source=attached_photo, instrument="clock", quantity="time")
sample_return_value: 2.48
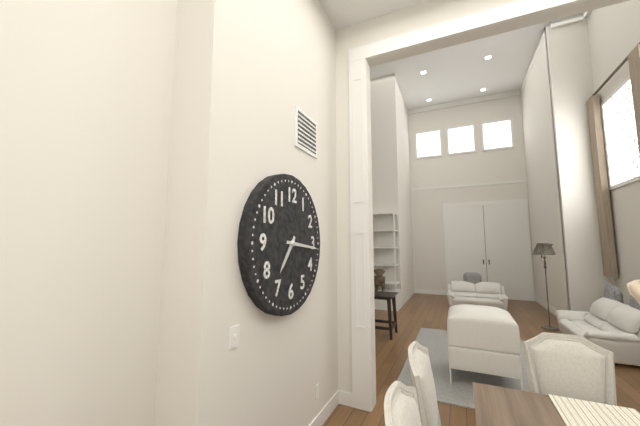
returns 7.16
